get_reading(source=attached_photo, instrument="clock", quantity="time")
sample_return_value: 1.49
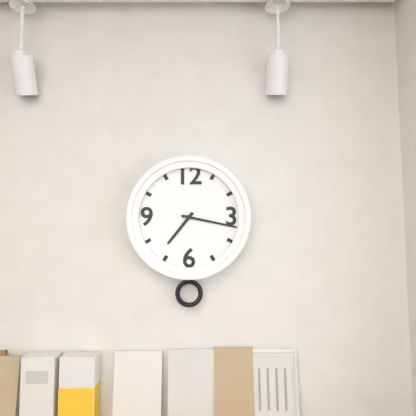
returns 7.17
